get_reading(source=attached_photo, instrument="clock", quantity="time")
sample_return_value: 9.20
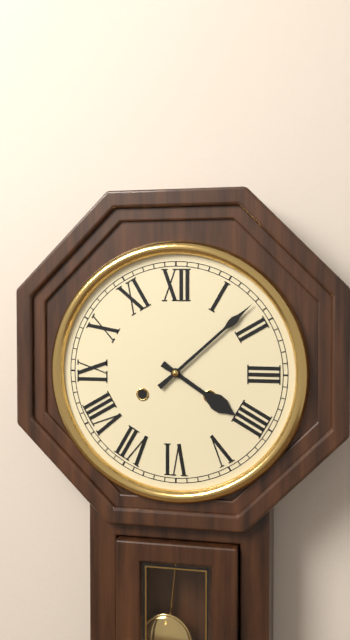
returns 4.08
